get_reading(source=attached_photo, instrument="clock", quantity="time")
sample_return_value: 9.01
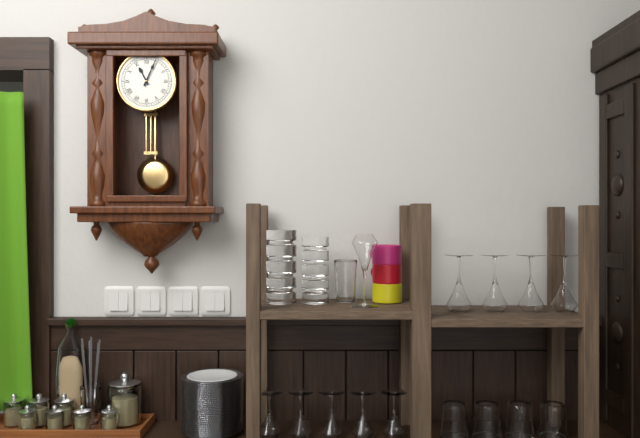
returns 11.04
